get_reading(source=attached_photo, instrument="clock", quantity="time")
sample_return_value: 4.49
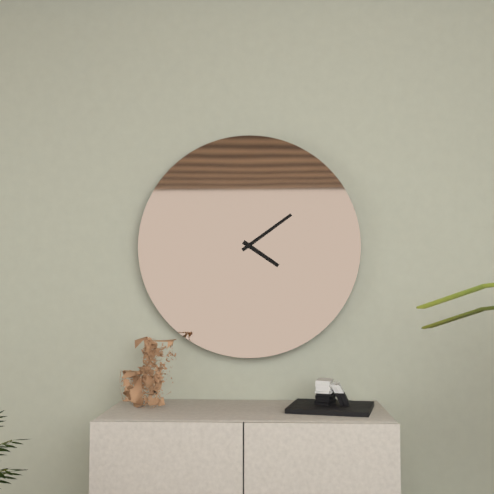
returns 4.09
